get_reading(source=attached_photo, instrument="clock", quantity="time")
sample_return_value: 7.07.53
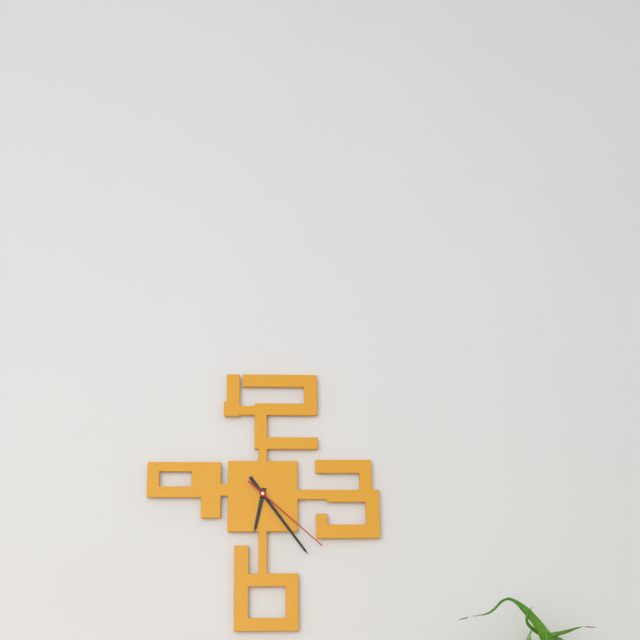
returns 6.24.22
